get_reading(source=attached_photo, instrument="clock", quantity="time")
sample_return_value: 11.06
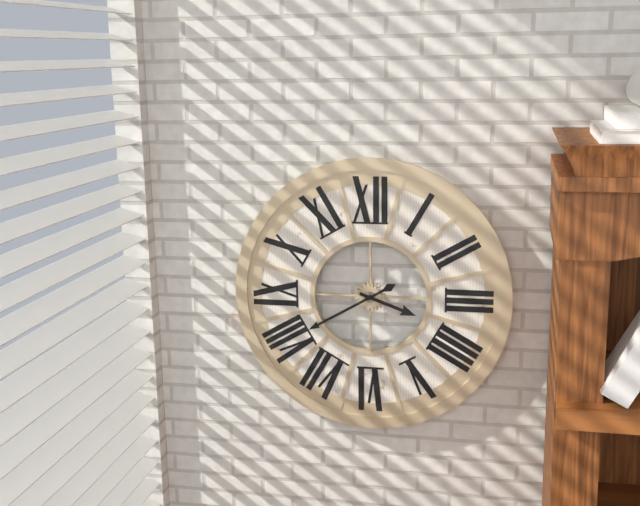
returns 3.40
